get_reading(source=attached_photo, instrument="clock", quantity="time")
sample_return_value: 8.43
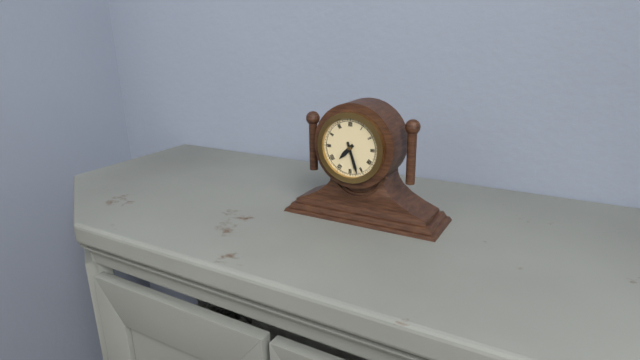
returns 7.27
